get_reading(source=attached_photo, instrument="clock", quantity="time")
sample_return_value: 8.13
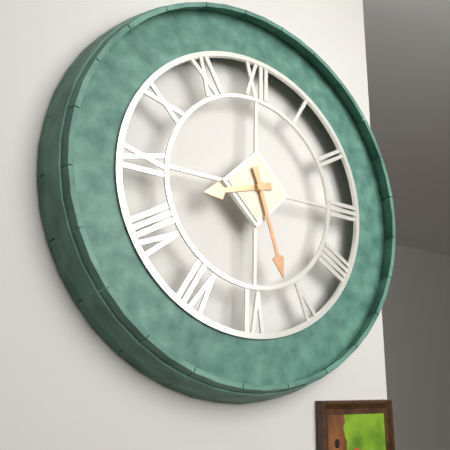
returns 8.27
